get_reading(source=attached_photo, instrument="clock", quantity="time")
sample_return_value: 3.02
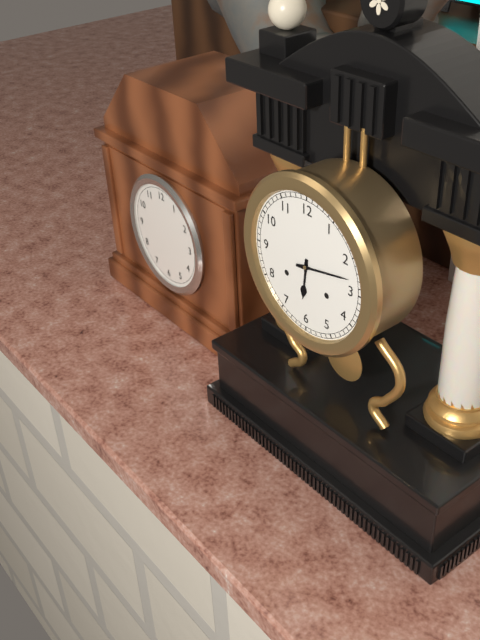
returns 6.13
